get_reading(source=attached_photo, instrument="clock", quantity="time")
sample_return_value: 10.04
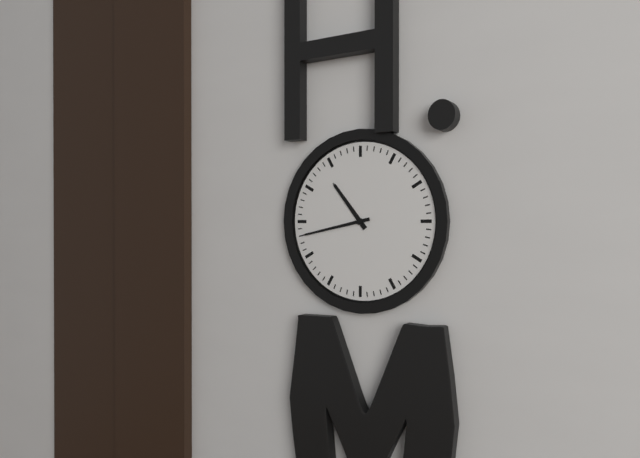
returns 10.43
